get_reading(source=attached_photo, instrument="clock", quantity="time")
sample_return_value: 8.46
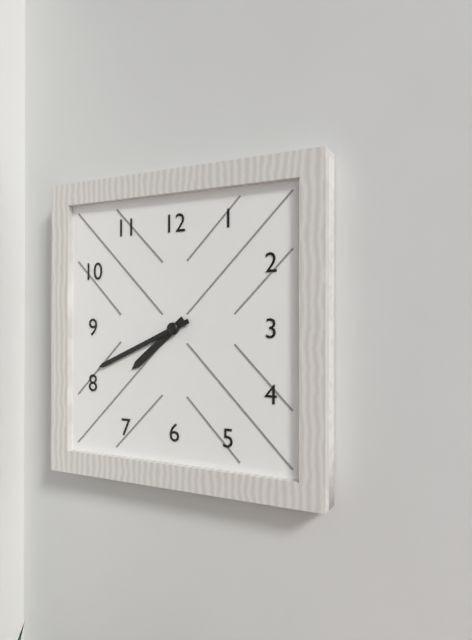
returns 7.41
